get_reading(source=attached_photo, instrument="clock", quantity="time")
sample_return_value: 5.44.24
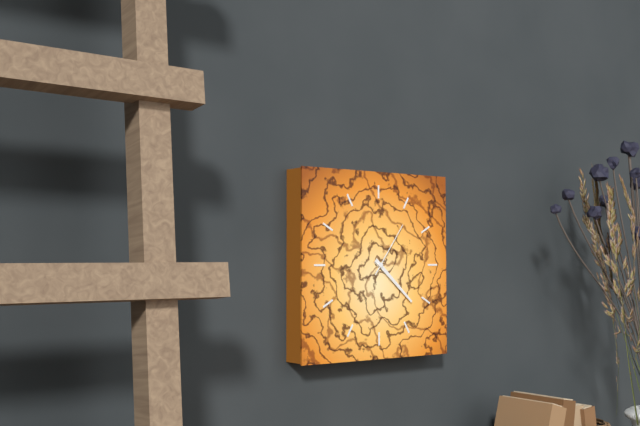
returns 4.22.06
